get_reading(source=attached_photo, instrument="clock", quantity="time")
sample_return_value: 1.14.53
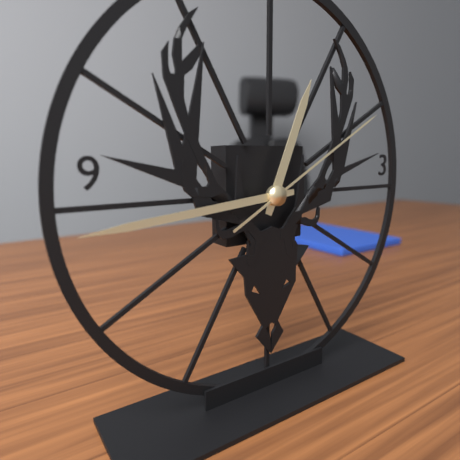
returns 12.44.10
